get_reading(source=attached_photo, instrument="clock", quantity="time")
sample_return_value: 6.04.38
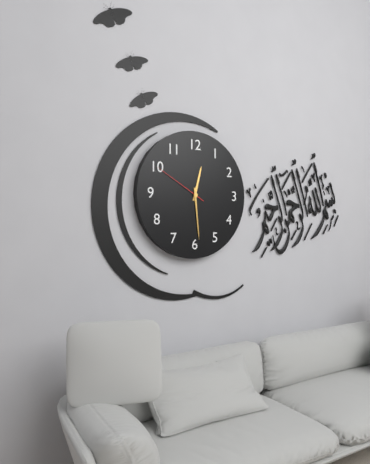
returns 12.29.50
